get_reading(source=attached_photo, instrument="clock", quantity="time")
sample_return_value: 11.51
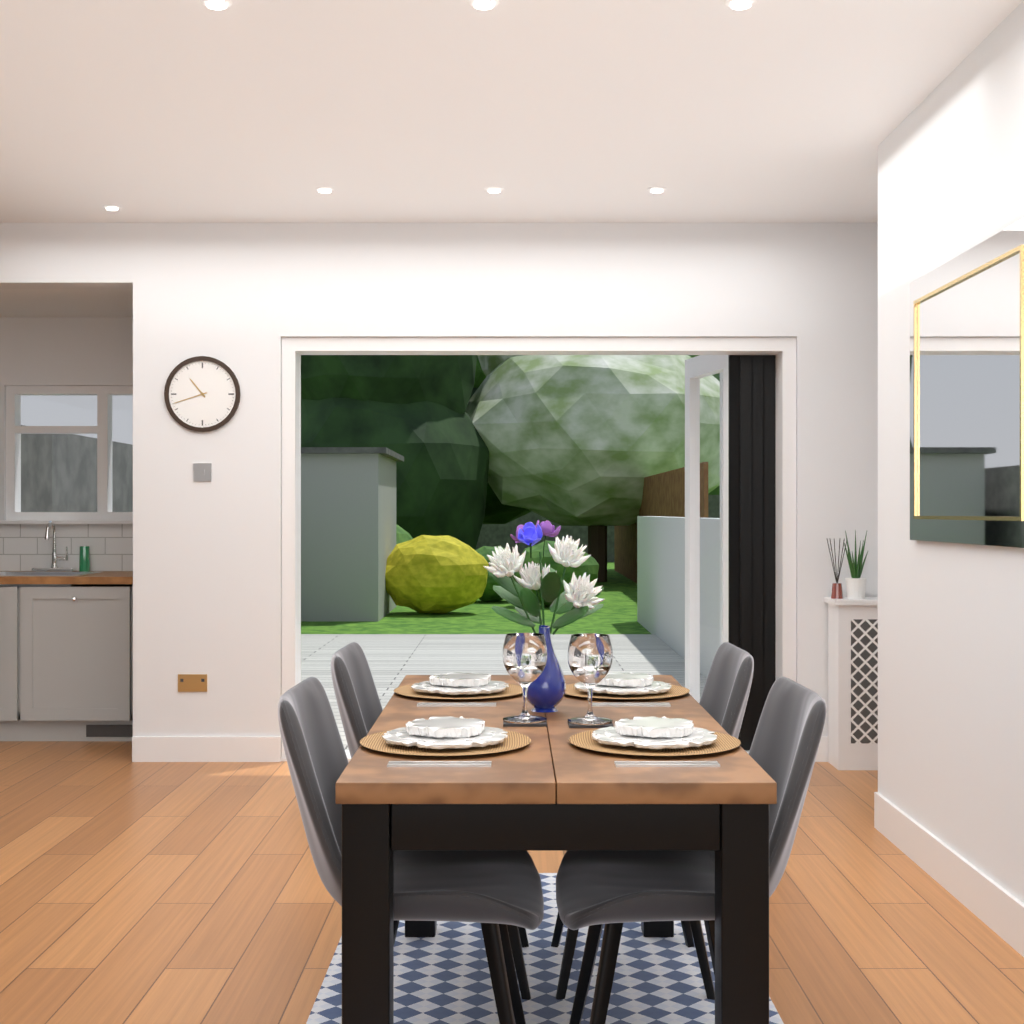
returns 10.42
